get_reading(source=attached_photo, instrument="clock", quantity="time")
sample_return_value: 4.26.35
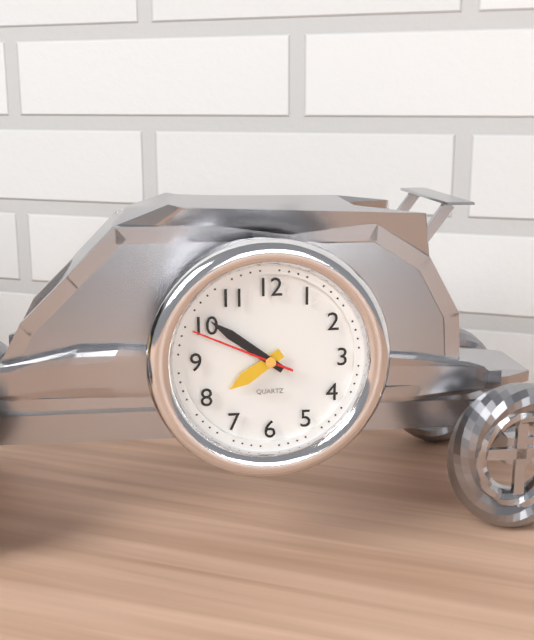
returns 7.51.49
